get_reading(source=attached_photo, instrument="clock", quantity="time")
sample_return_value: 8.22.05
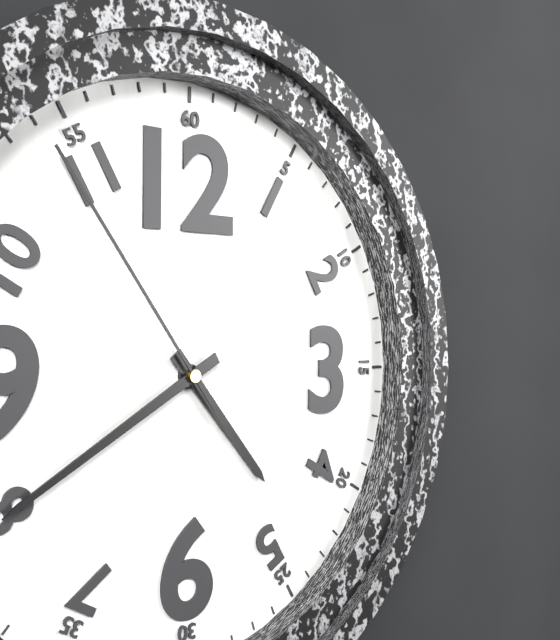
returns 4.40.54
